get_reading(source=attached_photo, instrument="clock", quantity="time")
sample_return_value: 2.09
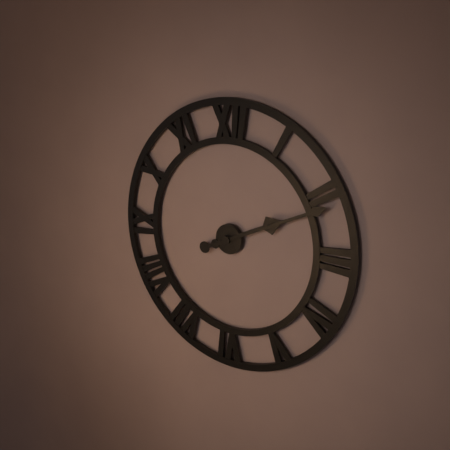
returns 2.11
